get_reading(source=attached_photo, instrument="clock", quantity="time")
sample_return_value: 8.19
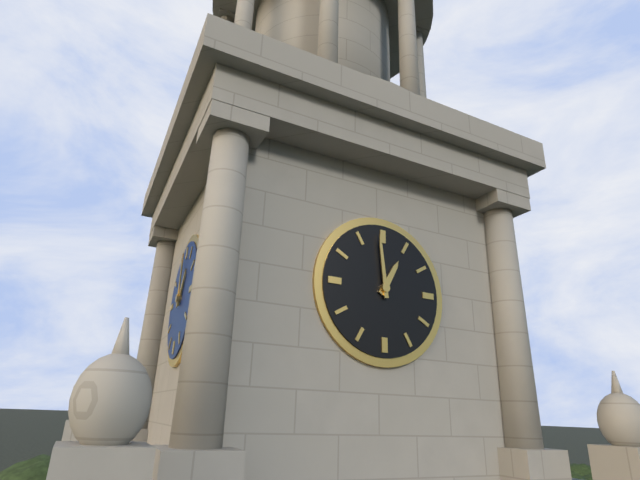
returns 12.59
